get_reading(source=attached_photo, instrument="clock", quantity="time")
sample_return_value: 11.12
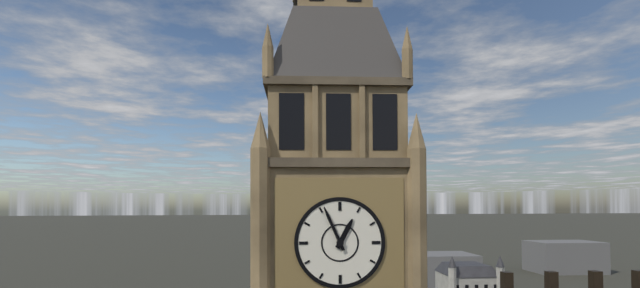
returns 12.56
